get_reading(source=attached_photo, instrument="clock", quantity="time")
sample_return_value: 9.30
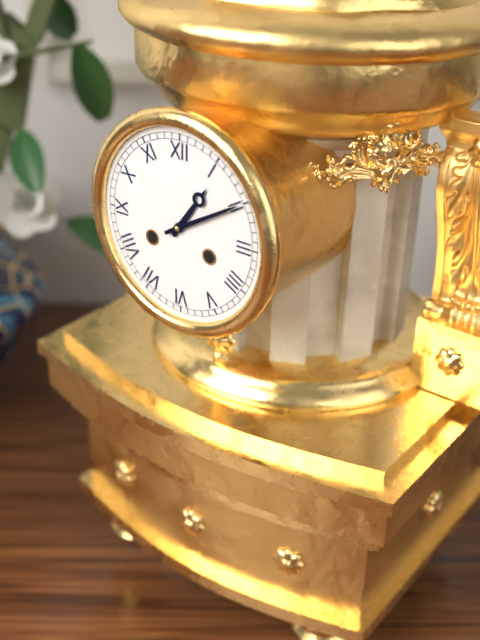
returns 1.10
